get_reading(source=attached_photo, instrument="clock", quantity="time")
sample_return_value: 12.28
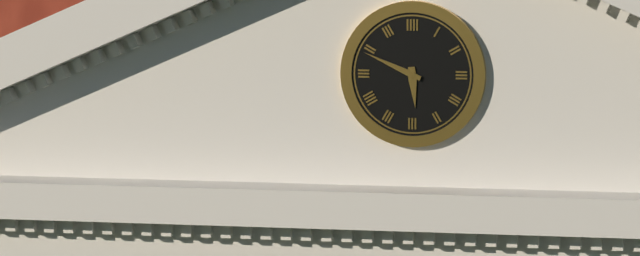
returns 5.49
